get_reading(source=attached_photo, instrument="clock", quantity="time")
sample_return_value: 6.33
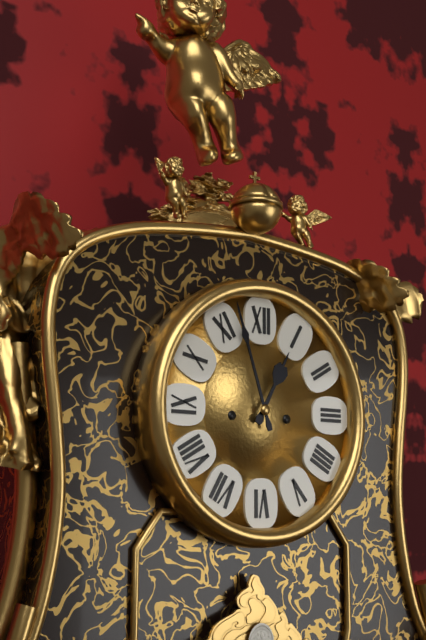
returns 12.57
